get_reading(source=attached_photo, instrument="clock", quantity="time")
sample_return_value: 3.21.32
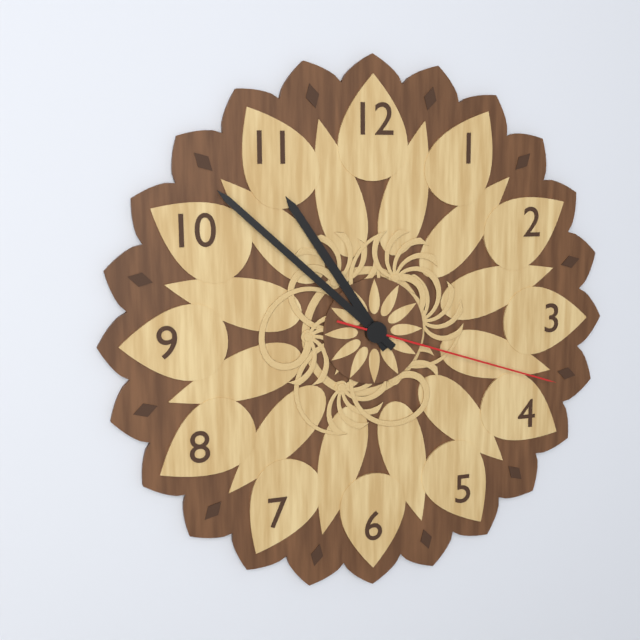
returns 10.52.18
